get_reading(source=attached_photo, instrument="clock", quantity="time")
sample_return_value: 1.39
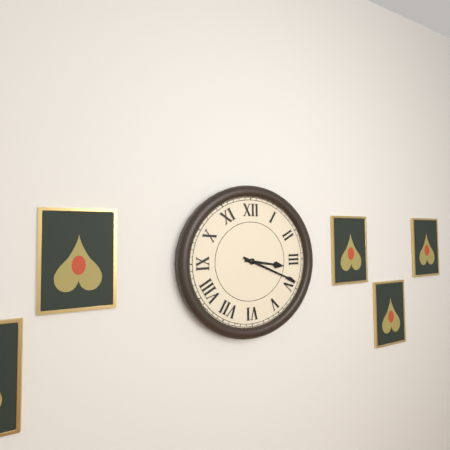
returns 3.19
